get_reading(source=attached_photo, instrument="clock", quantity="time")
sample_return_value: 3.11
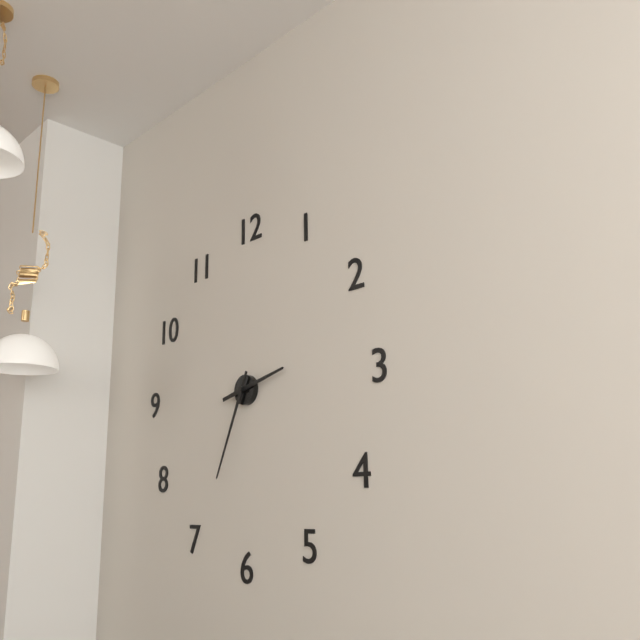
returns 2.34
